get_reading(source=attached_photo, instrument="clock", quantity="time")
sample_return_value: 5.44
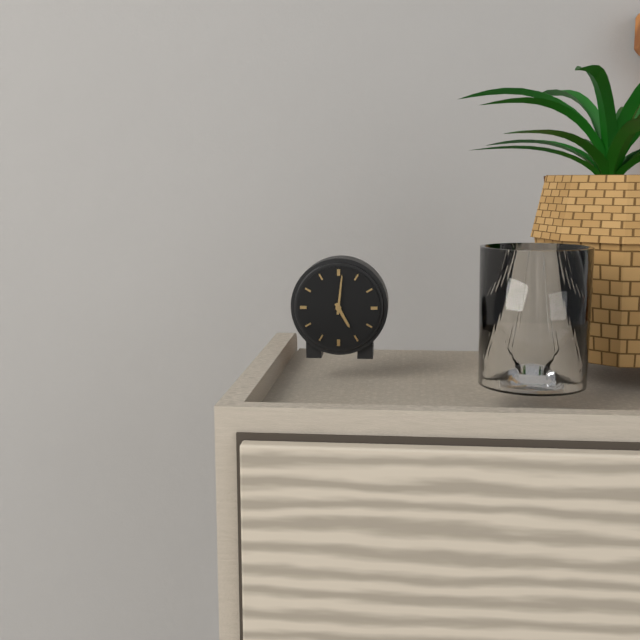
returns 5.01
